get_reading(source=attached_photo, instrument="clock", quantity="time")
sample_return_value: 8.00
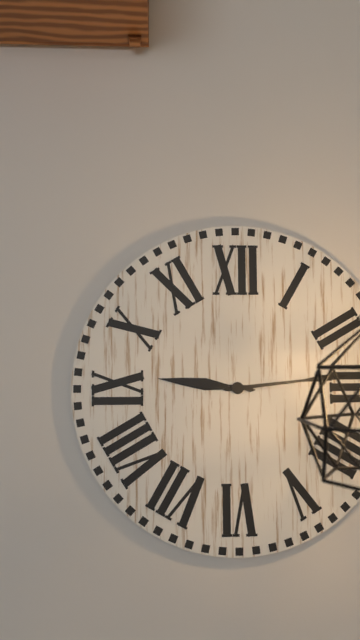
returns 9.14
